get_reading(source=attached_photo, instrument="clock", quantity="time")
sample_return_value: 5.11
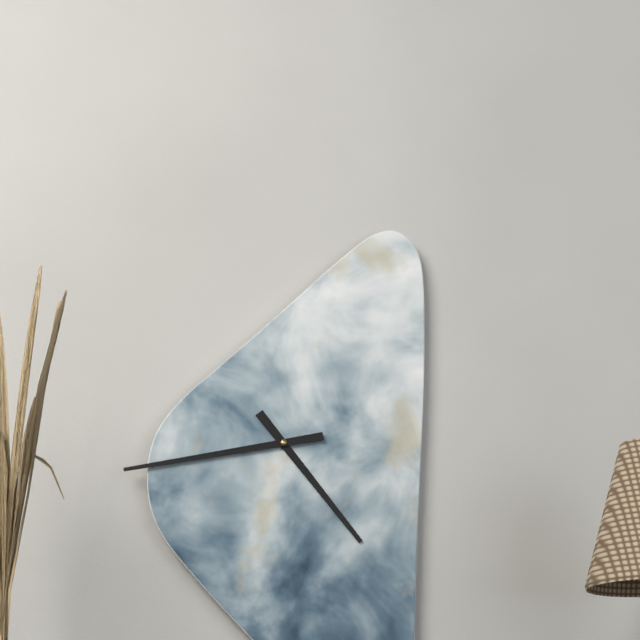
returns 4.43
